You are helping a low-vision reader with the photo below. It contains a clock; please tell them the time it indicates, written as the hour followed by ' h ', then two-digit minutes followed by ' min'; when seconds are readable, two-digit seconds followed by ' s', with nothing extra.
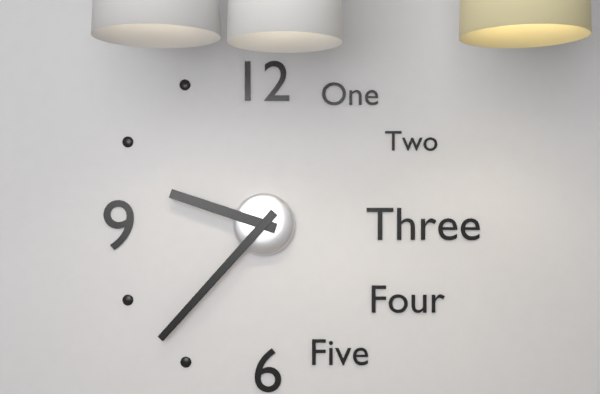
9 h 37 min
